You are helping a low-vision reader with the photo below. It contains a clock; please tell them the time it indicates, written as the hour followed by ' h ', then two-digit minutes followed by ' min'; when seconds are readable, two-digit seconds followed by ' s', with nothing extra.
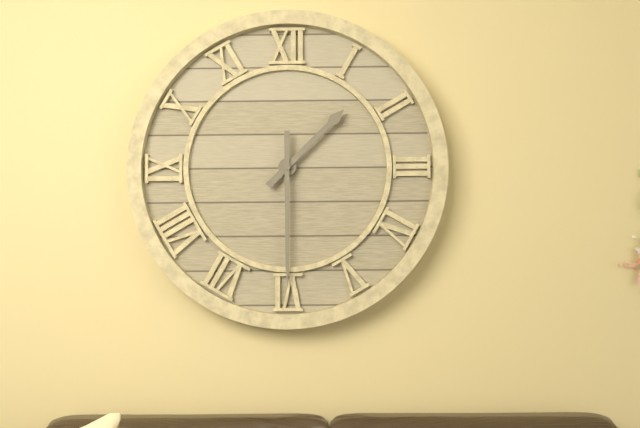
1 h 30 min
